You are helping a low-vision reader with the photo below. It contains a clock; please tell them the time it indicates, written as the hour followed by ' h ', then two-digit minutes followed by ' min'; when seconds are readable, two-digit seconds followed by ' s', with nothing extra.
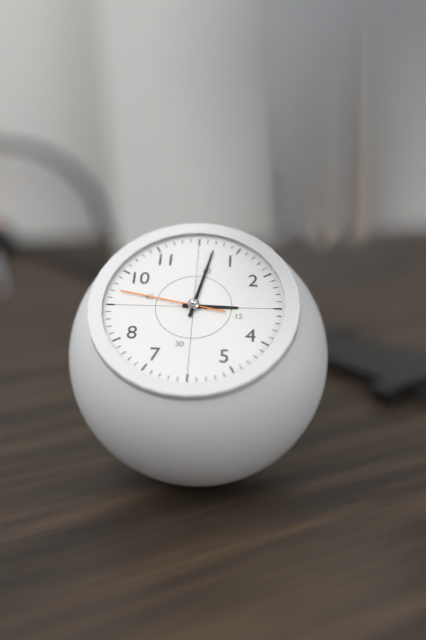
3 h 02 min 47 s
